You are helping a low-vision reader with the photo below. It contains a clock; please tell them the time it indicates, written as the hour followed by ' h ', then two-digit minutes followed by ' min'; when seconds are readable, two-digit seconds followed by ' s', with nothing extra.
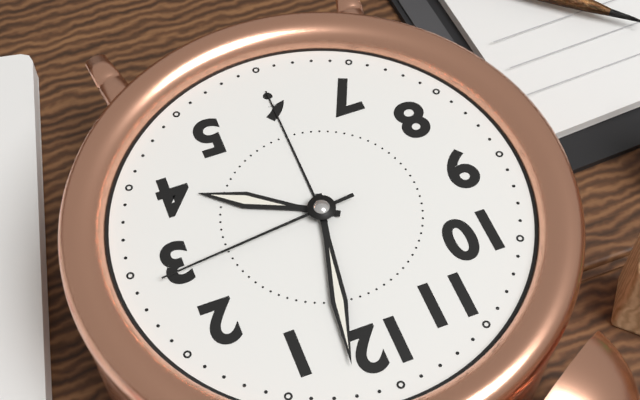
4 h 02 min 14 s
